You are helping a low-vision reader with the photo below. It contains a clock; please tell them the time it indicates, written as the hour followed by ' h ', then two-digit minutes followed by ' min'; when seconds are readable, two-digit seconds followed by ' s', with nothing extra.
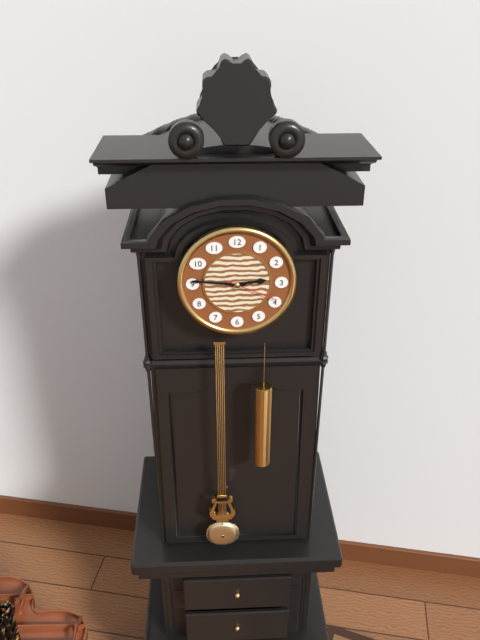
2 h 46 min 19 s
